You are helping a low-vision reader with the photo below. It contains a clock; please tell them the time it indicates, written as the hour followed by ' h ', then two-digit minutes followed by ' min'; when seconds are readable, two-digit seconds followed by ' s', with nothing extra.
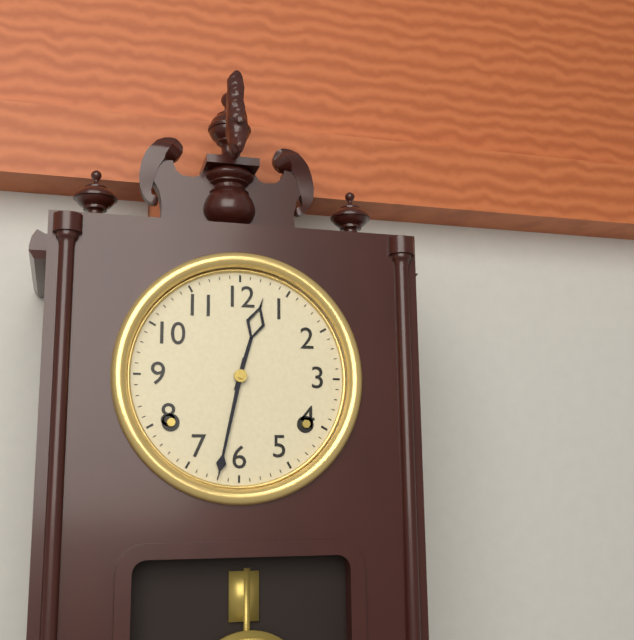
12 h 32 min
